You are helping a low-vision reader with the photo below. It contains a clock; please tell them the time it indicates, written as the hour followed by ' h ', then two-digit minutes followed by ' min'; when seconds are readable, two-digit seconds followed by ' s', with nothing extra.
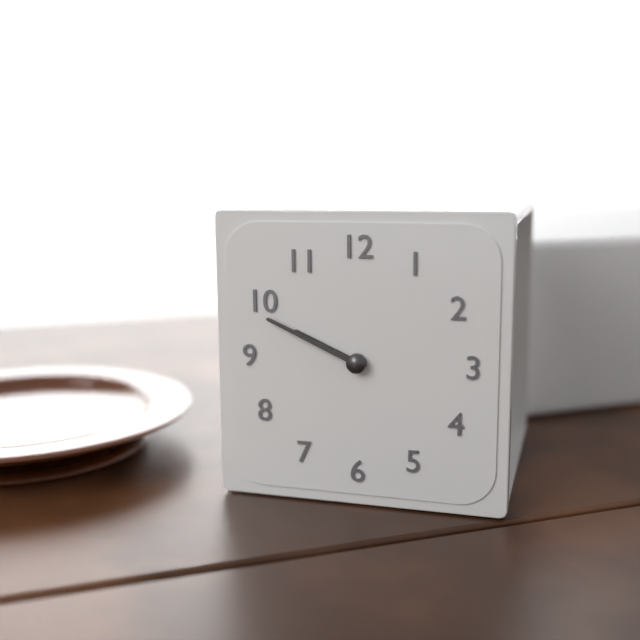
9 h 49 min
